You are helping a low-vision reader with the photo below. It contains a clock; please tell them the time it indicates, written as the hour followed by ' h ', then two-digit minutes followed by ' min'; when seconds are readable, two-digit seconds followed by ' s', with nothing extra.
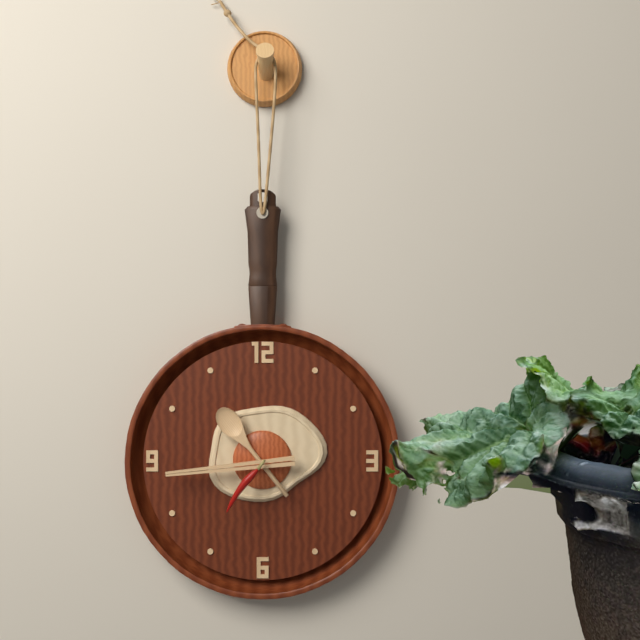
10 h 44 min 36 s
